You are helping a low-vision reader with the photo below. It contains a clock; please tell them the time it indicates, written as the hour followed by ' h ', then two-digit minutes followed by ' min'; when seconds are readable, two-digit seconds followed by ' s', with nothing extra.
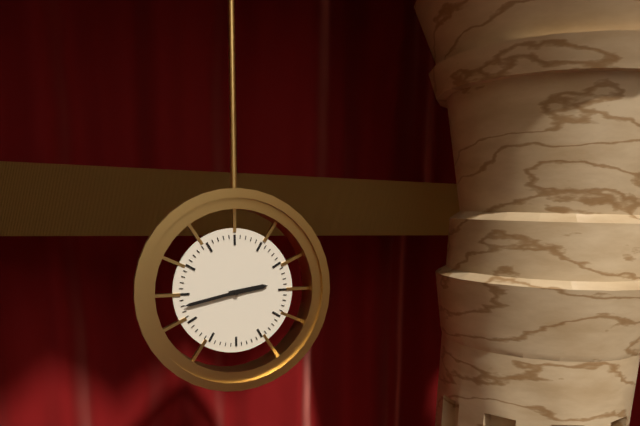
2 h 43 min
